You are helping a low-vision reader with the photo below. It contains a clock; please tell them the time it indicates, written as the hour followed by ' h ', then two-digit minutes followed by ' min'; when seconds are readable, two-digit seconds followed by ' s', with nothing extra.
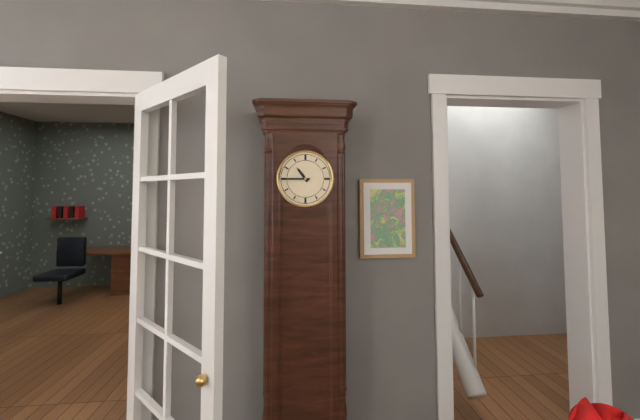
10 h 45 min
